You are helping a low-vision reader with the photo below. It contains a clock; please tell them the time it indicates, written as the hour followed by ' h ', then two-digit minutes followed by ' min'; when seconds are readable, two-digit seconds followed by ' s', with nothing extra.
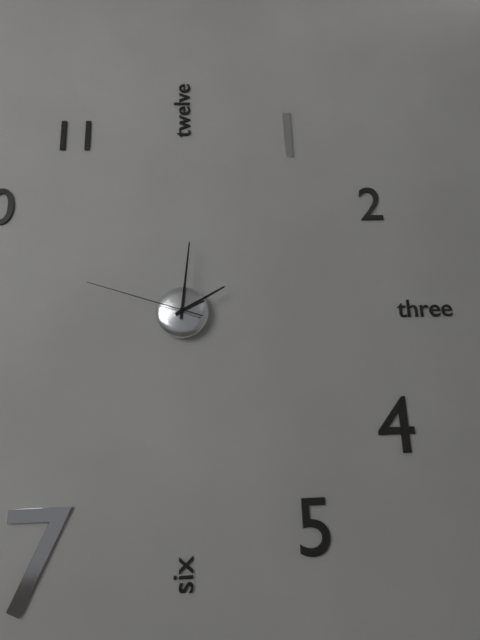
2 h 01 min 48 s
